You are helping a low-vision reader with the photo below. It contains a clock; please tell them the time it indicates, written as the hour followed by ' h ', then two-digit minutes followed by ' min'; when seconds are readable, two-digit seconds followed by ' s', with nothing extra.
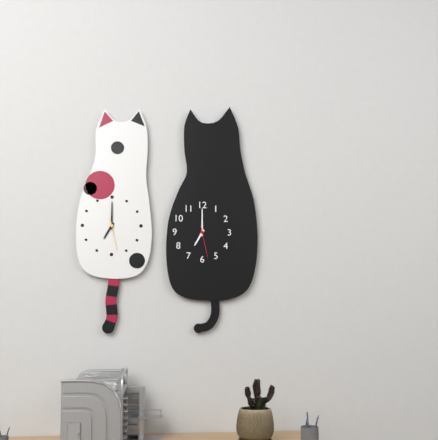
7 h 00 min
